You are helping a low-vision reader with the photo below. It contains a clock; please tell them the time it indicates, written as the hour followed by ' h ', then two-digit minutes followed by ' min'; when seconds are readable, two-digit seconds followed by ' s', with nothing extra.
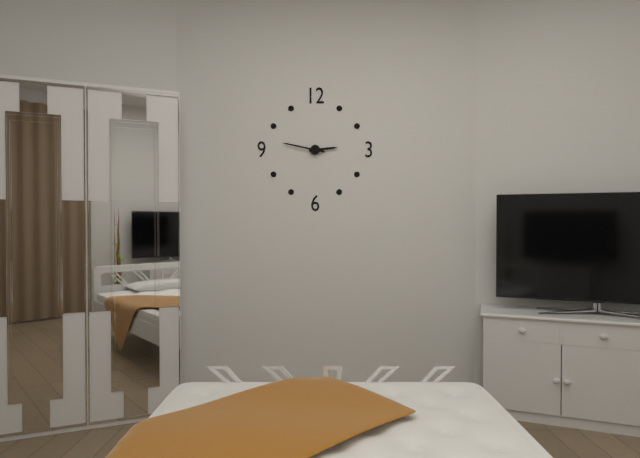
2 h 47 min
